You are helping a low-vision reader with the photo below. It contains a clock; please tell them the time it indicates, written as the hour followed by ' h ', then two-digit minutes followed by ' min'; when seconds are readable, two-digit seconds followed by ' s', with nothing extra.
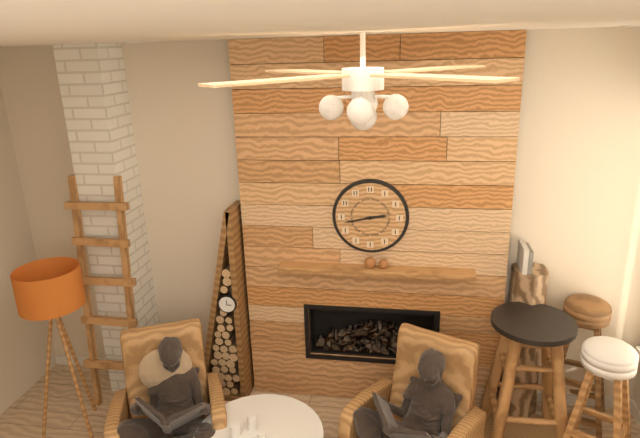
2 h 43 min
